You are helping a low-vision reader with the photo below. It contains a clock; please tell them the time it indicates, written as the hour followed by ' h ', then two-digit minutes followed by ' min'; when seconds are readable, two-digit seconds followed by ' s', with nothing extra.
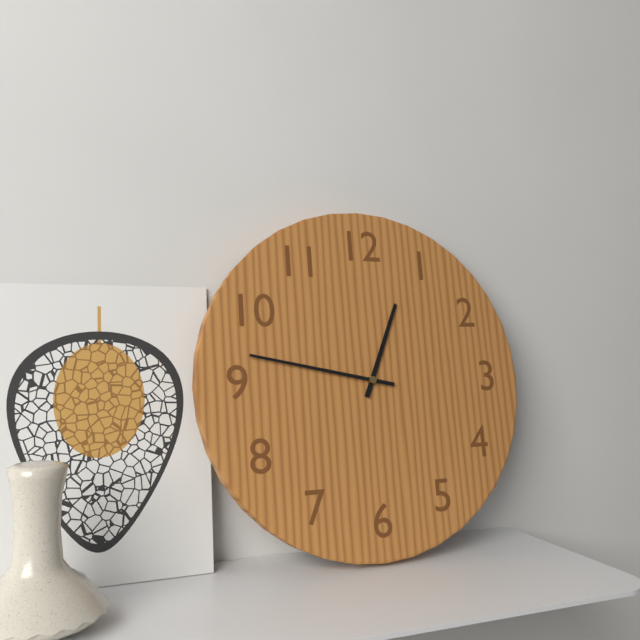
12 h 47 min
